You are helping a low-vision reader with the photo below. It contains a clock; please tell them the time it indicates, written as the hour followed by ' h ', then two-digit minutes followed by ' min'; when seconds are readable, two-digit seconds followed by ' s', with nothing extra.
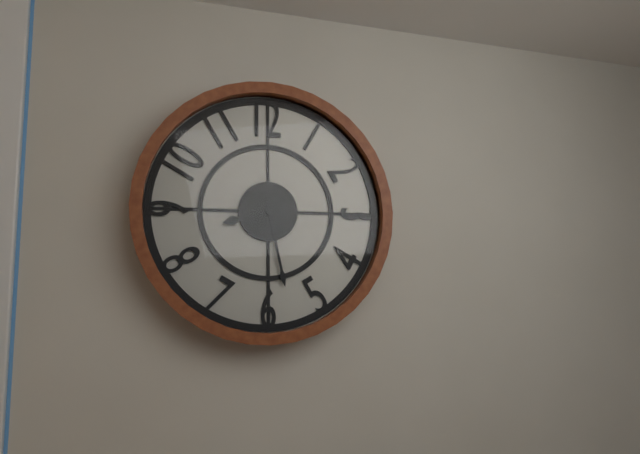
8 h 28 min
